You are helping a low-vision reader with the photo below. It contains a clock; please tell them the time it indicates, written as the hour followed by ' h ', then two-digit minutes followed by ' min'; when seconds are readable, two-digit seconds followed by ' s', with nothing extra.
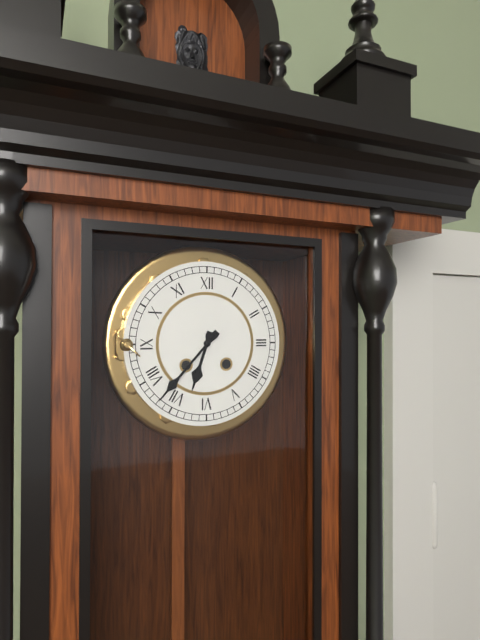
6 h 37 min
